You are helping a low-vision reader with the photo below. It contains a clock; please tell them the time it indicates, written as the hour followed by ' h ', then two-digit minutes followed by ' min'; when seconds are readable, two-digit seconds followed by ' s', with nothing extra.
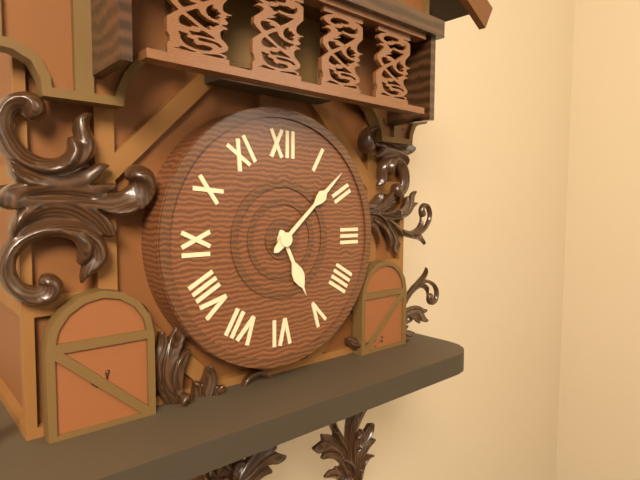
5 h 08 min
